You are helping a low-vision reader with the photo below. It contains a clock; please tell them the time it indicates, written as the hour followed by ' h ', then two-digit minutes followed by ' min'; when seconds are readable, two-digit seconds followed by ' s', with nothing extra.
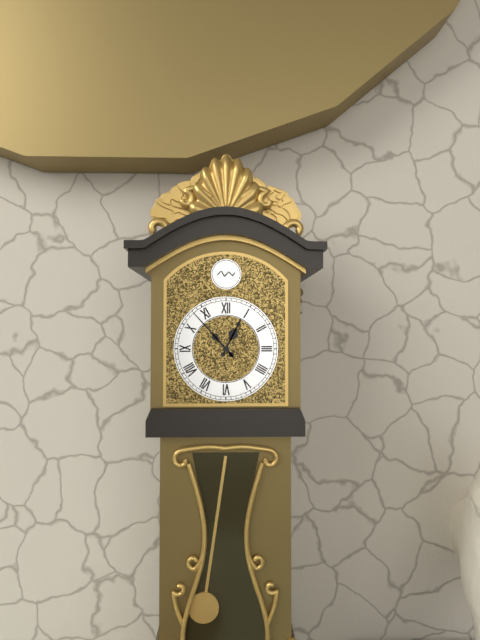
12 h 53 min
